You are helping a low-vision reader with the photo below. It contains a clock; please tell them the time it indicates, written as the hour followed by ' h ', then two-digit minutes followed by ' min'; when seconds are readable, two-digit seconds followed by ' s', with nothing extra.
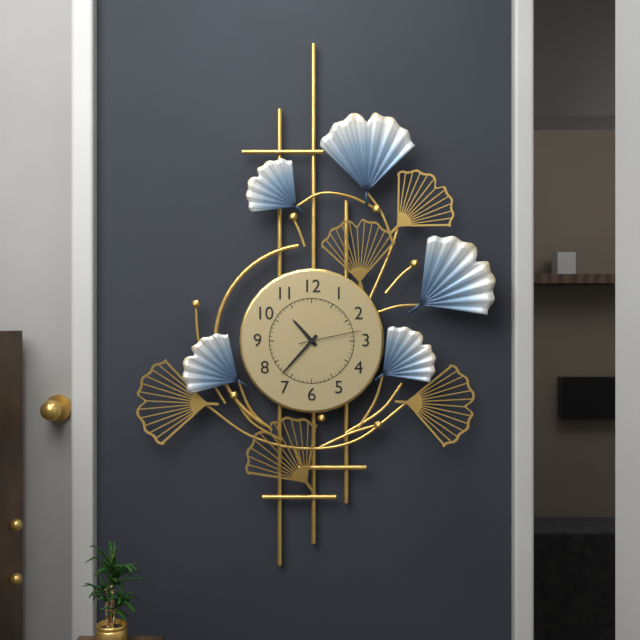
10 h 37 min 13 s
